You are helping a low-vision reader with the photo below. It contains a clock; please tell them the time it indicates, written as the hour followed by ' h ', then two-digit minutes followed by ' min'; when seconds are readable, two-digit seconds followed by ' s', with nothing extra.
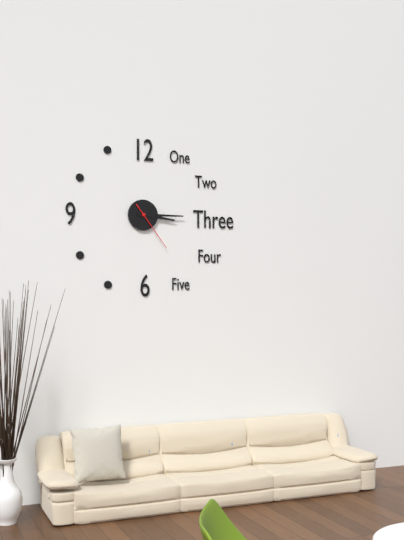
3 h 15 min 24 s
